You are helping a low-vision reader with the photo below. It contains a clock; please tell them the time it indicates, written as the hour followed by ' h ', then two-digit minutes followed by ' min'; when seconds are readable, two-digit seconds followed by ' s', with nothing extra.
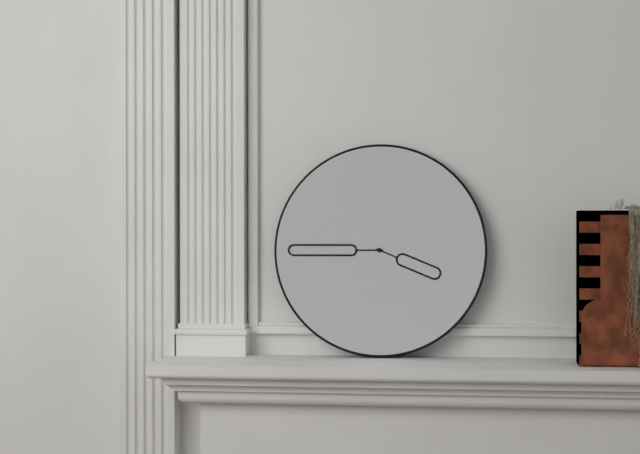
3 h 45 min
